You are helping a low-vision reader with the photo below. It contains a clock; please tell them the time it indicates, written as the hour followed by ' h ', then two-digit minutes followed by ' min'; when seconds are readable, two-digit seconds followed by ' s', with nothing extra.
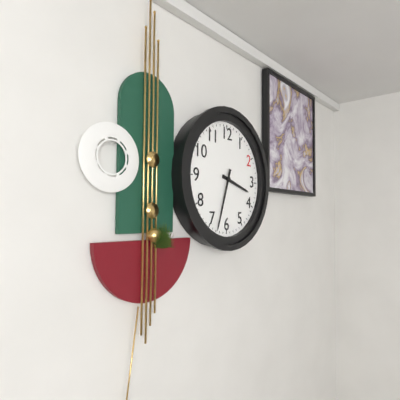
3 h 33 min
